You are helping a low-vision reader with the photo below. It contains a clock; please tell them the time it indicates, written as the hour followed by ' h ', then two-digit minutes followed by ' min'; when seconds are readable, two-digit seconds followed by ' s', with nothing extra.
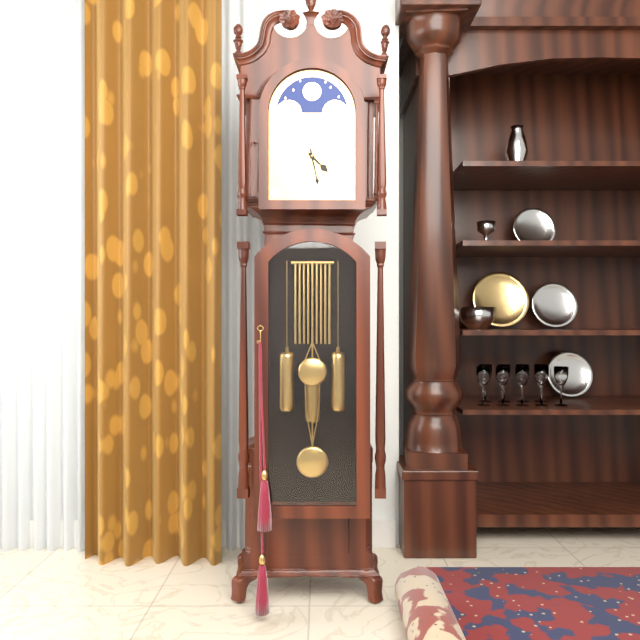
4 h 28 min
